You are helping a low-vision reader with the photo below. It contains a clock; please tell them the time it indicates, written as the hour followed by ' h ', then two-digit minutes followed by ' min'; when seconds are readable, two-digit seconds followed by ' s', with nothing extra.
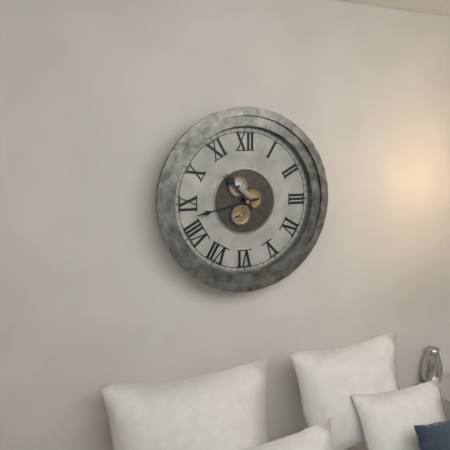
10 h 43 min
